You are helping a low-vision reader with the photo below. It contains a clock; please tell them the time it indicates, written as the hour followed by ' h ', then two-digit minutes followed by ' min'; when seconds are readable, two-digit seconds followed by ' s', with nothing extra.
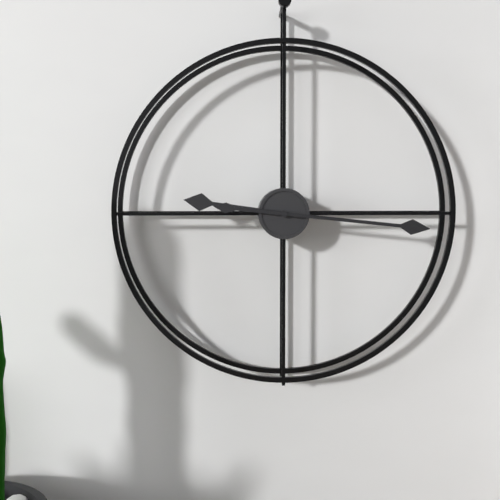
9 h 16 min
